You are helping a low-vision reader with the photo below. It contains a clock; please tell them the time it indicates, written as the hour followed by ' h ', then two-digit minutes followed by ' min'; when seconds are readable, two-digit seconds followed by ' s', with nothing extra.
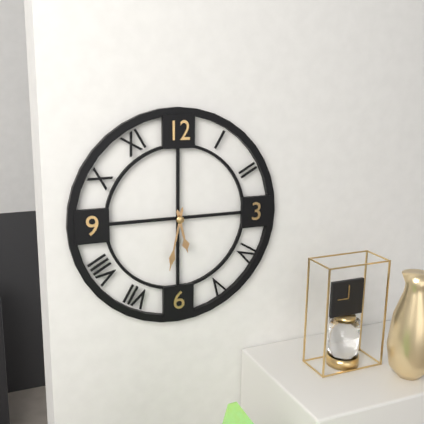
5 h 32 min
